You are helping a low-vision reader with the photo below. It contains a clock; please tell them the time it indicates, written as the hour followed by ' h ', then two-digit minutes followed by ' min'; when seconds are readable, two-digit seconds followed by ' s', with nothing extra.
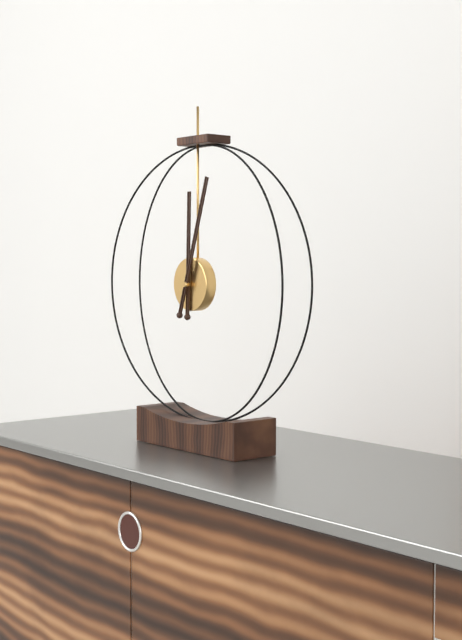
12 h 03 min
